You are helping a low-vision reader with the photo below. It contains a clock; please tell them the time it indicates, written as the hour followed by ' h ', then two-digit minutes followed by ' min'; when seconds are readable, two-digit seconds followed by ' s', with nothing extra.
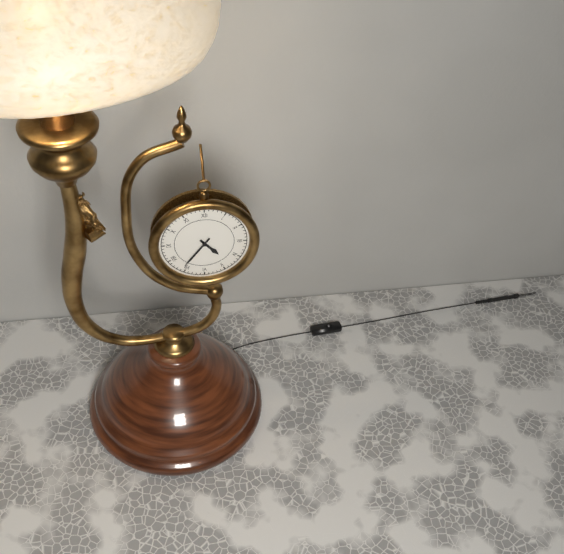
4 h 36 min
